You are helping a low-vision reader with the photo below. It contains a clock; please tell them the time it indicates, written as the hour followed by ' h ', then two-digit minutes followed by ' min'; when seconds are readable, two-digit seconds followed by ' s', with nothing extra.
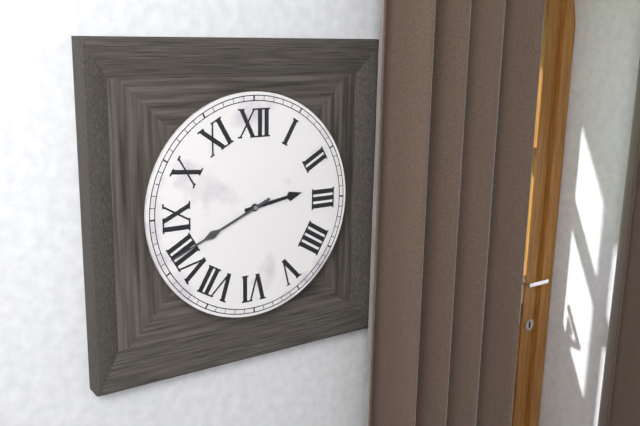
2 h 41 min
